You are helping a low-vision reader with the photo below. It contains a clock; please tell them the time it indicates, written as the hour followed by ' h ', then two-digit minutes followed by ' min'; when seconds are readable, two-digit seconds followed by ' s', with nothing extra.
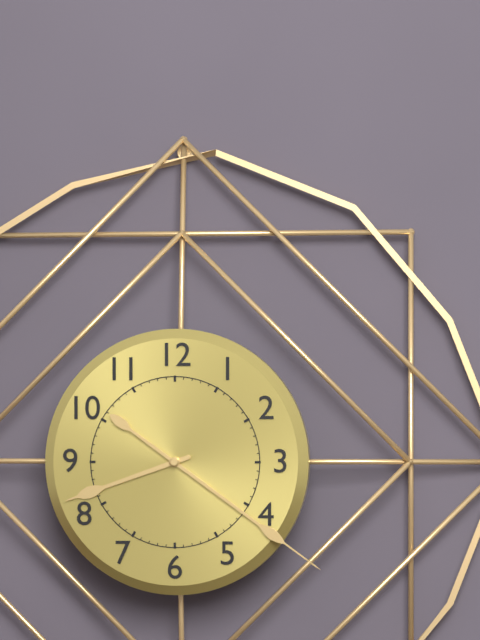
8 h 21 min
